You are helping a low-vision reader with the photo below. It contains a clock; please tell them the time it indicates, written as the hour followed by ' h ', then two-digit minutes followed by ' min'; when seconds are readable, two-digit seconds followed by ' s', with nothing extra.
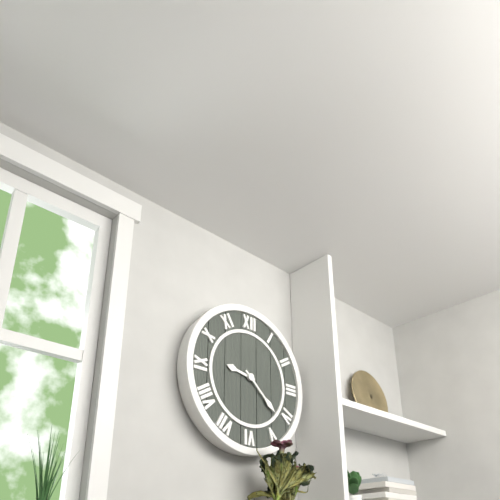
9 h 22 min
